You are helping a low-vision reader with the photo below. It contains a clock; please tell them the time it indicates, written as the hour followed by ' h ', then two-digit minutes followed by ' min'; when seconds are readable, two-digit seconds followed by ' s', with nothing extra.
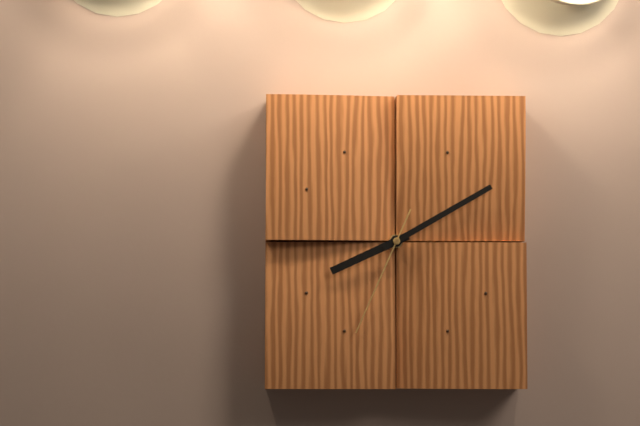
8 h 10 min 34 s
